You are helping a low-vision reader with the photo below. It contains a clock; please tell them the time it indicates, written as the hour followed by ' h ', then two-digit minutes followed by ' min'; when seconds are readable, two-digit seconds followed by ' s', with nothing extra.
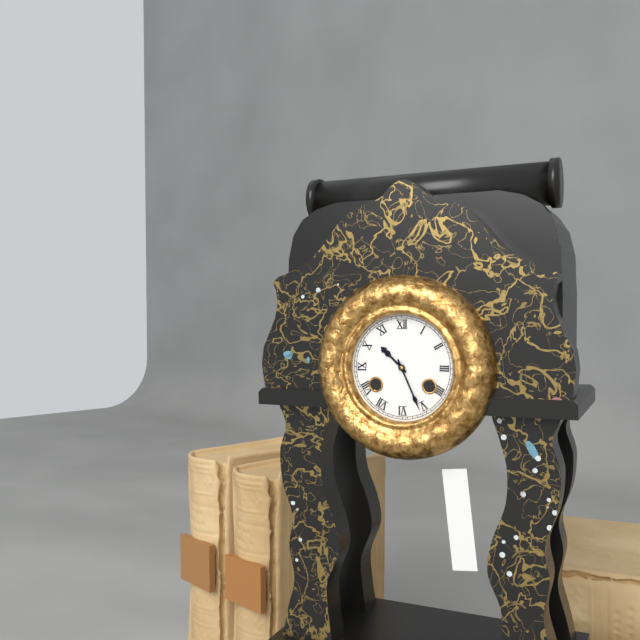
10 h 26 min
